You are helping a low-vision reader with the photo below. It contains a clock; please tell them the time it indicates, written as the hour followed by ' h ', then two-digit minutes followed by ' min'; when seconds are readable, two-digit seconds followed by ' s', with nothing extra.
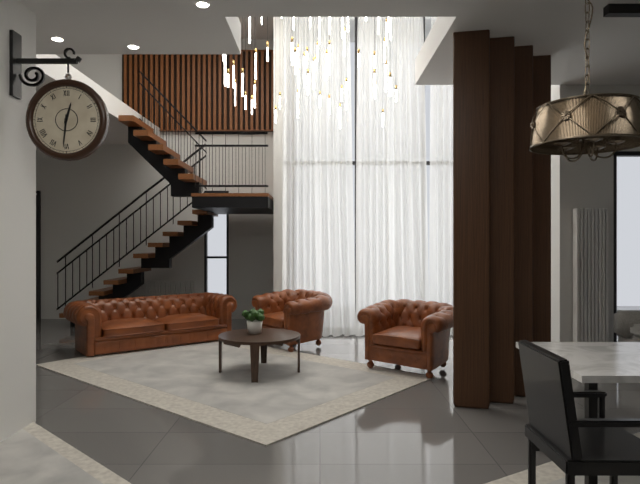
12 h 31 min
